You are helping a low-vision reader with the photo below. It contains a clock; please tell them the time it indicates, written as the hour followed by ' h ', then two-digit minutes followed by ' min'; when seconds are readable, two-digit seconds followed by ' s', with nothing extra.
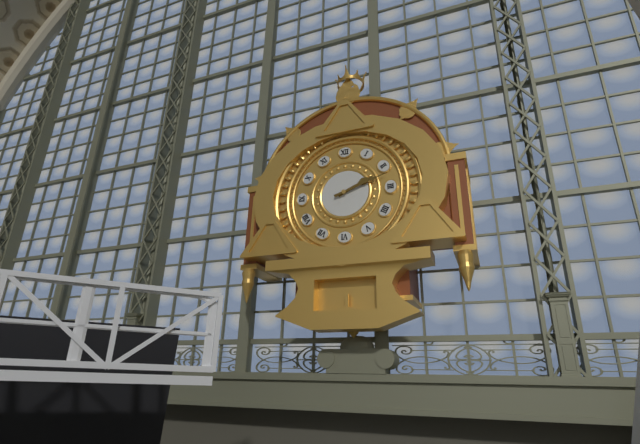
2 h 12 min
